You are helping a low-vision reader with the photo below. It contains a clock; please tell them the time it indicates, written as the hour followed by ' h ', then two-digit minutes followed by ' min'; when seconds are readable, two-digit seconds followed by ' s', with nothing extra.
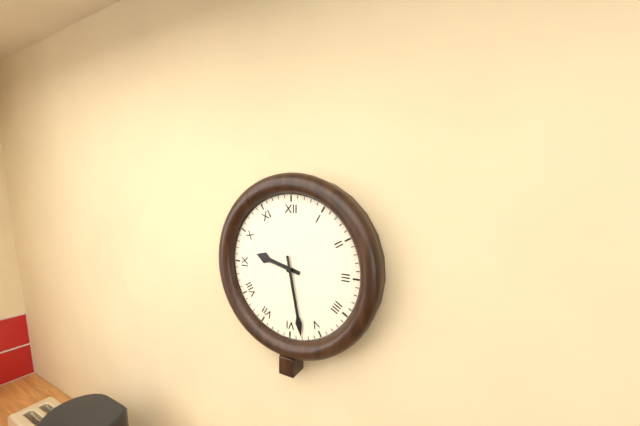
9 h 28 min
